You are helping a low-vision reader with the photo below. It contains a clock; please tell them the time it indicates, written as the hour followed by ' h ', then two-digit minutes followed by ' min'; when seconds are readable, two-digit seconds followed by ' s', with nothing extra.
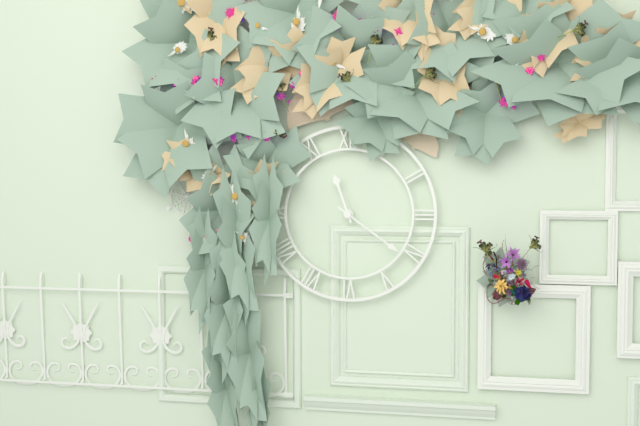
11 h 21 min
